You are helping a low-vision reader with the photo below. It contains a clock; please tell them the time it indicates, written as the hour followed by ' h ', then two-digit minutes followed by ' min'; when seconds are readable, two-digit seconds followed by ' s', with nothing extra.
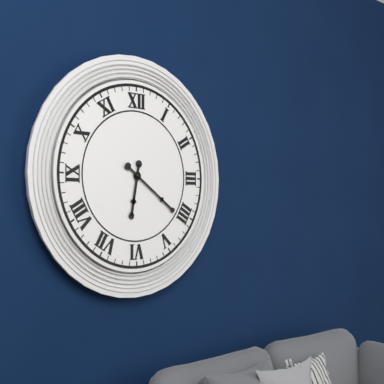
6 h 21 min
